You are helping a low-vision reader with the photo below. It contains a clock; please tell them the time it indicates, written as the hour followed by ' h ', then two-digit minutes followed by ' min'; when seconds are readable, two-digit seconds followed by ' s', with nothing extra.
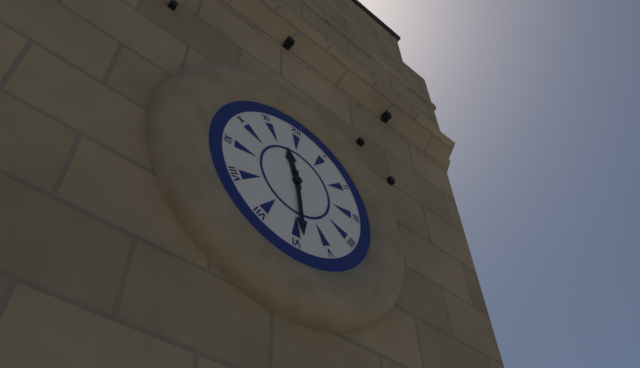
11 h 29 min
